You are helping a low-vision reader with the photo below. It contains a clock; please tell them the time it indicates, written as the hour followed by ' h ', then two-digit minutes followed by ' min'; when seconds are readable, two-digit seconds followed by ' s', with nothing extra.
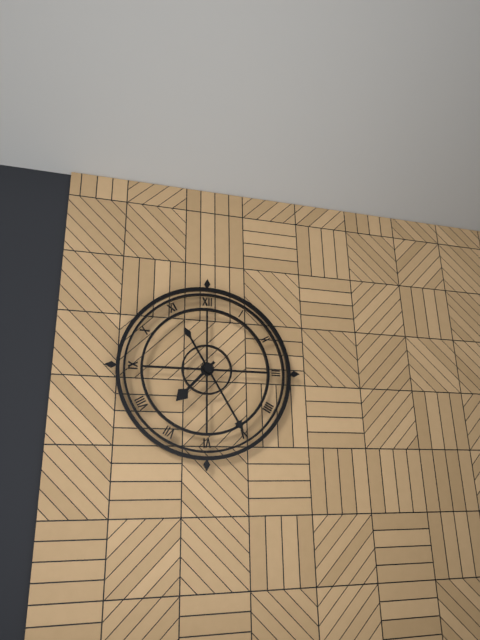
7 h 25 min
